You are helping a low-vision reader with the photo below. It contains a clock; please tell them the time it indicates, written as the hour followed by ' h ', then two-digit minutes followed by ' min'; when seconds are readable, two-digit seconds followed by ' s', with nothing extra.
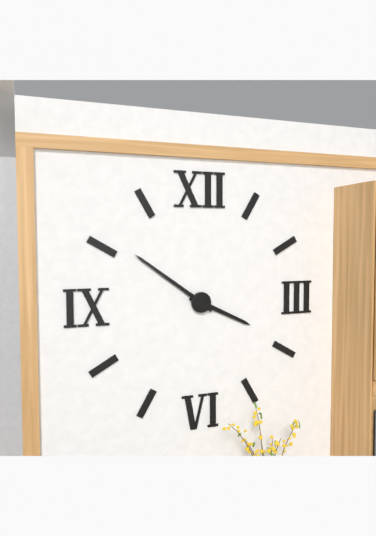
3 h 51 min
